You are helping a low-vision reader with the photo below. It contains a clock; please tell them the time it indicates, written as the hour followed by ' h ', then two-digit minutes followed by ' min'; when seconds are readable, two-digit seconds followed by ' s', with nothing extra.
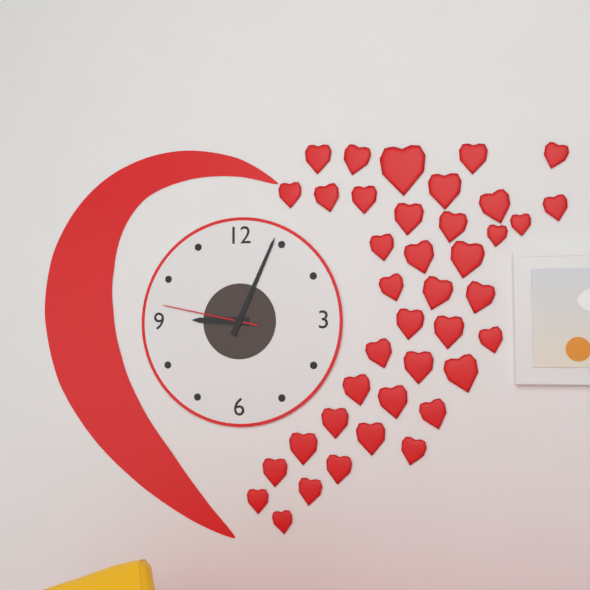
9 h 04 min 47 s
